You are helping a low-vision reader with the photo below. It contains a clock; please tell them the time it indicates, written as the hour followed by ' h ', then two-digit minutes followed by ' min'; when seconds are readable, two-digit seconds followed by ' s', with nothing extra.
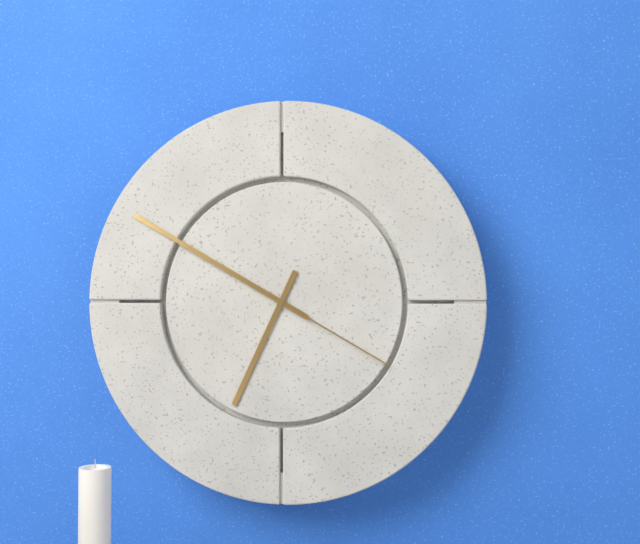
6 h 50 min 20 s
